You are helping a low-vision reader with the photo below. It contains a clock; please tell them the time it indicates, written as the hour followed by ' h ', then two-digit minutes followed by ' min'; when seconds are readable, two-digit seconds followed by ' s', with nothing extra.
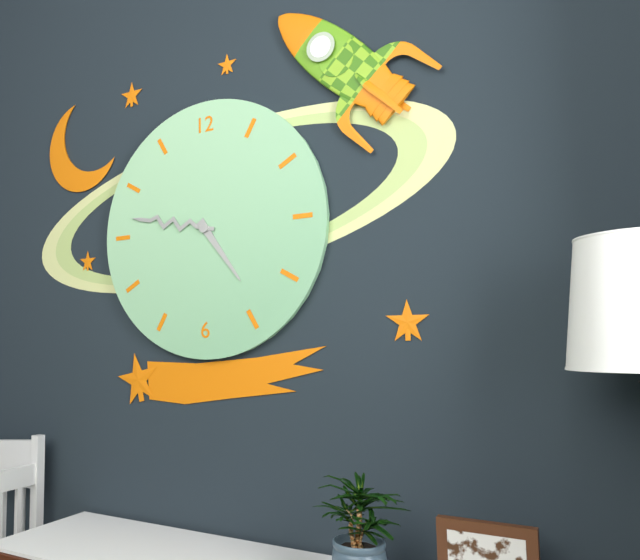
4 h 47 min
